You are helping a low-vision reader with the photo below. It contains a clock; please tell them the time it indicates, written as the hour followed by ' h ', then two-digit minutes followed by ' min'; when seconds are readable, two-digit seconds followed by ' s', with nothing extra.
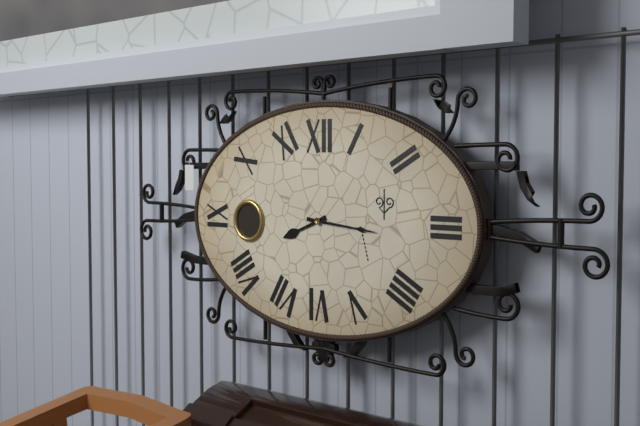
8 h 16 min
